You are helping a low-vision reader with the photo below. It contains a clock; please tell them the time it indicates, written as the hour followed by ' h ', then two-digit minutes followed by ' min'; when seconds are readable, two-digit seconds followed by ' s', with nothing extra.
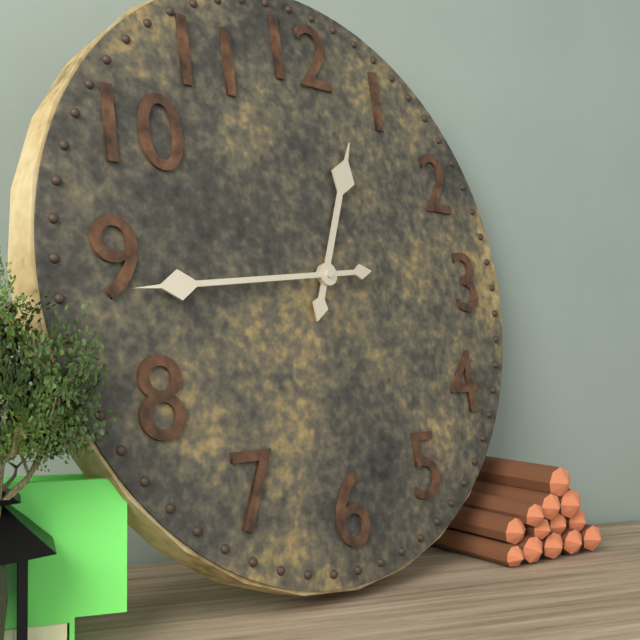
12 h 44 min
